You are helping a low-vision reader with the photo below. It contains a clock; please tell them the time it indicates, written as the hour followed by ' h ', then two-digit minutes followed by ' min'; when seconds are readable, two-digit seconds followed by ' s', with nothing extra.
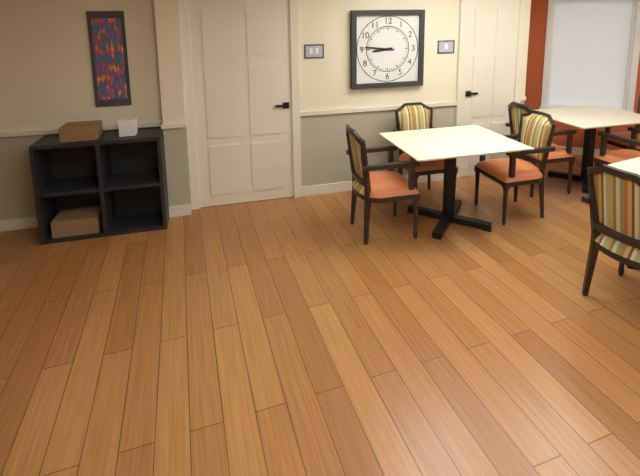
8 h 46 min
